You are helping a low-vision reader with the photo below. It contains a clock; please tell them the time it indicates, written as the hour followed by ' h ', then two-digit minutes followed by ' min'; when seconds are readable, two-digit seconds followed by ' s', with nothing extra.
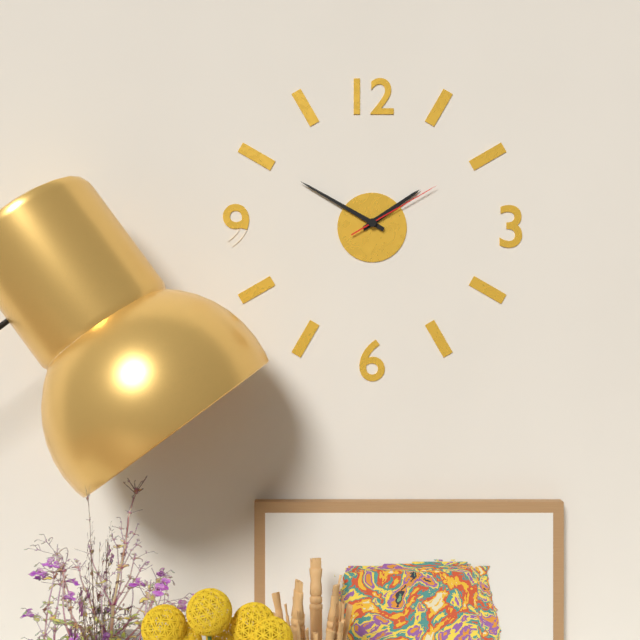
1 h 50 min 10 s
